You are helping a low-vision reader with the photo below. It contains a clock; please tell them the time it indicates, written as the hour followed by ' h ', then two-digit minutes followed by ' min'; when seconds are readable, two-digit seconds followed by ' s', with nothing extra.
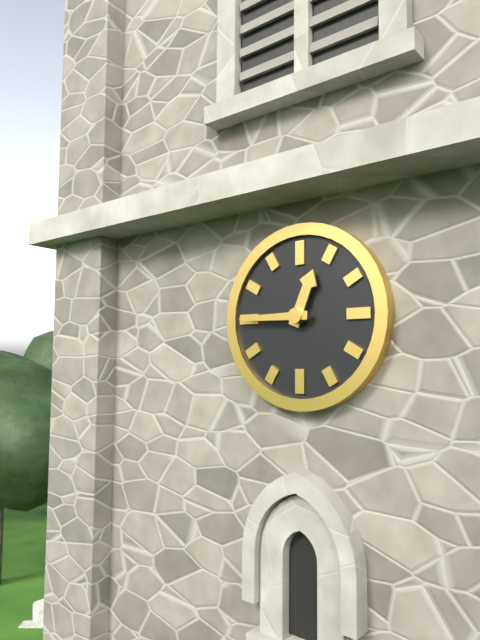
12 h 45 min
